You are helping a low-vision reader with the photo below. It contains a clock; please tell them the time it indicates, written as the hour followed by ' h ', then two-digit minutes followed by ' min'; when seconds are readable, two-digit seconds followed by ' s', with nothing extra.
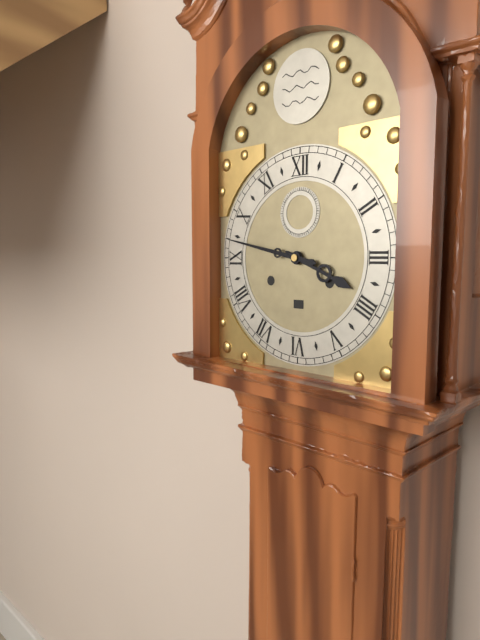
3 h 47 min
